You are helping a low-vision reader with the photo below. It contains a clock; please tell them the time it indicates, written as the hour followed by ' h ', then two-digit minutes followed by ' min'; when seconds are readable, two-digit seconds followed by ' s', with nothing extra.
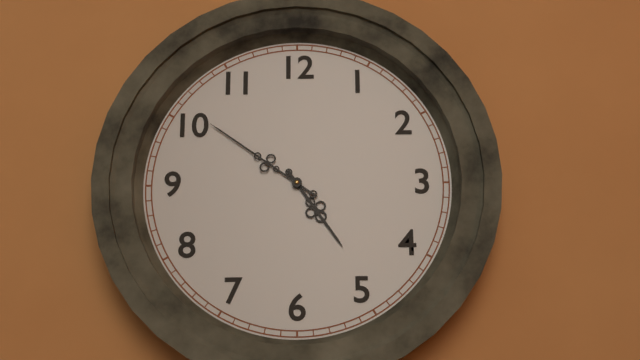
4 h 51 min
